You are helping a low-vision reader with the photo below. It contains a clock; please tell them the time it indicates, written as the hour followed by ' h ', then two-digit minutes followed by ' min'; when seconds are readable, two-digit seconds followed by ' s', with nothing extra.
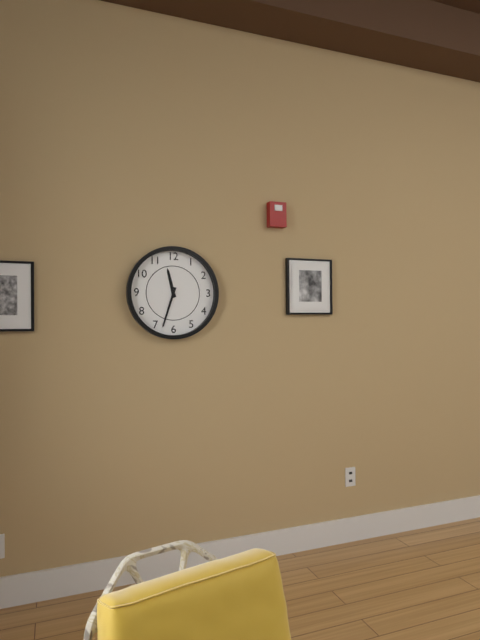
11 h 33 min
